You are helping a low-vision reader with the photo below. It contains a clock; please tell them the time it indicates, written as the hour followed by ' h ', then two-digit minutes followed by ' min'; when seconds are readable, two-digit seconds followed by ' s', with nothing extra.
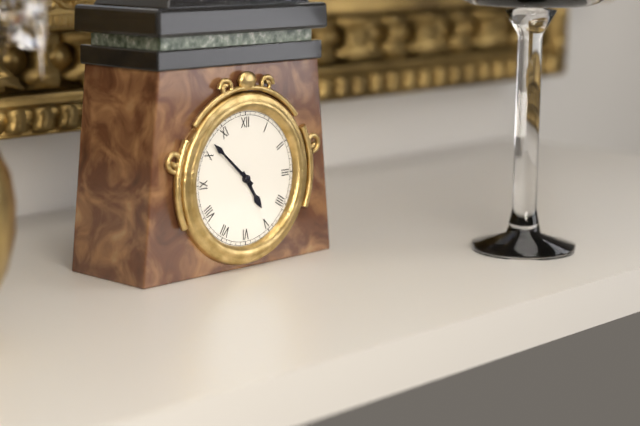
4 h 52 min
